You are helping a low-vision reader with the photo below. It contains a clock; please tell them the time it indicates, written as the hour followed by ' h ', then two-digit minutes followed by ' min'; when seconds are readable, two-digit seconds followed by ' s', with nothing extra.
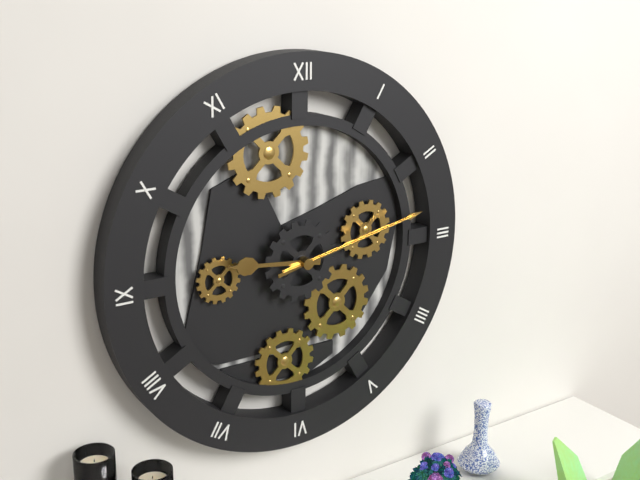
9 h 13 min 13 s
